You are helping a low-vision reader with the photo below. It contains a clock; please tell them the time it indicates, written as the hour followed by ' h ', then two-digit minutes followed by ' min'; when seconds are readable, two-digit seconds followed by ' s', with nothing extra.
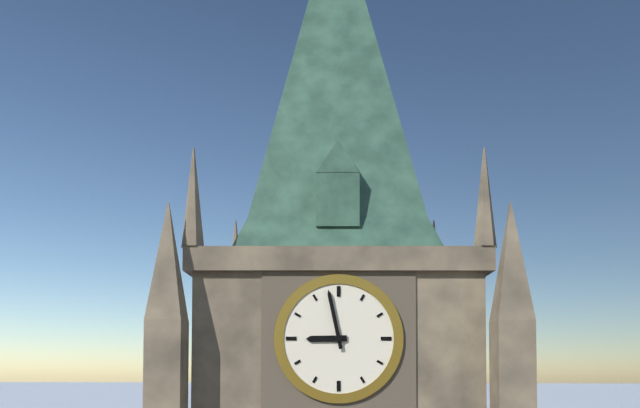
8 h 58 min
